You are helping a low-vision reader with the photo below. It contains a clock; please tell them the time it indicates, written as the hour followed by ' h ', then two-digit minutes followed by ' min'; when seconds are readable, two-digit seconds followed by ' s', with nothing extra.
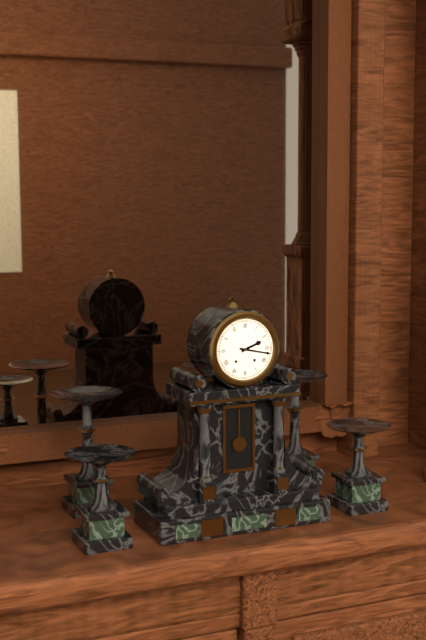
2 h 17 min
